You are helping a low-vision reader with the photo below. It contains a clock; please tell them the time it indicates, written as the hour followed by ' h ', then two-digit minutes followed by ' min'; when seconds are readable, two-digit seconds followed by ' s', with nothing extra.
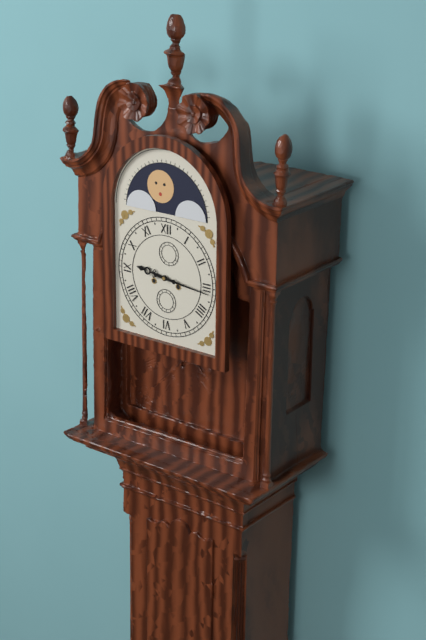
9 h 16 min
